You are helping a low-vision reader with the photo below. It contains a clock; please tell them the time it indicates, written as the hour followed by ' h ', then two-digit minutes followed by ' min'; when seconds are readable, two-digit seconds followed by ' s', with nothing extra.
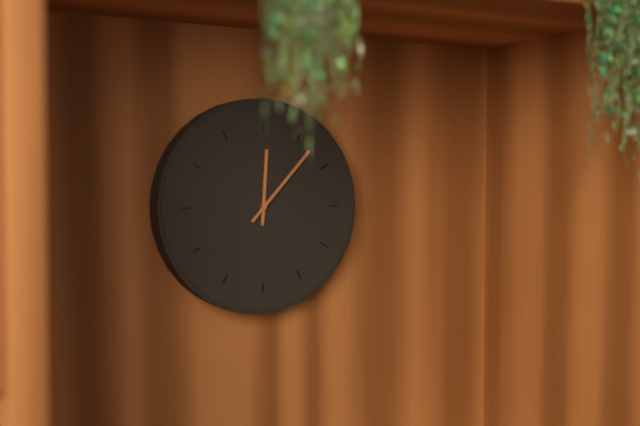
12 h 07 min
